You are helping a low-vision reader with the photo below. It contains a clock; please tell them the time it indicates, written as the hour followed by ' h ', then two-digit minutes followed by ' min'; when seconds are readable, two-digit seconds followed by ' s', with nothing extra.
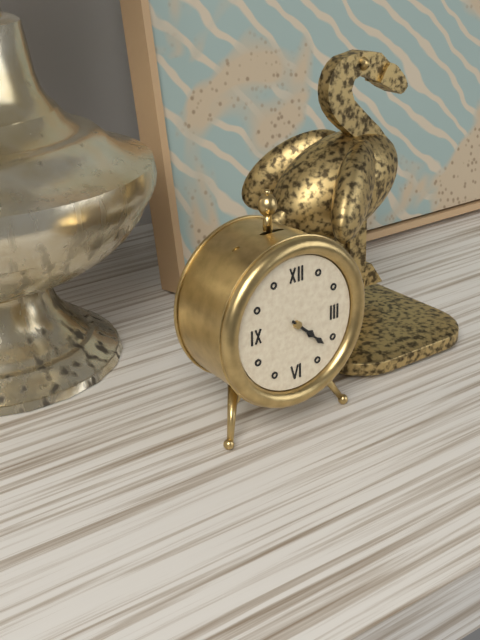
4 h 22 min
